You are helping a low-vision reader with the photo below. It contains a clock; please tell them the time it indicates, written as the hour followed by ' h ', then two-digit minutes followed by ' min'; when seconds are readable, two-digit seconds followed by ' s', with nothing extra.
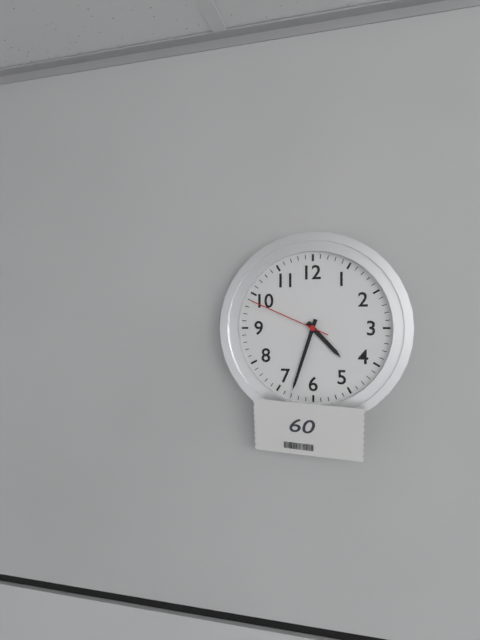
4 h 33 min 49 s
